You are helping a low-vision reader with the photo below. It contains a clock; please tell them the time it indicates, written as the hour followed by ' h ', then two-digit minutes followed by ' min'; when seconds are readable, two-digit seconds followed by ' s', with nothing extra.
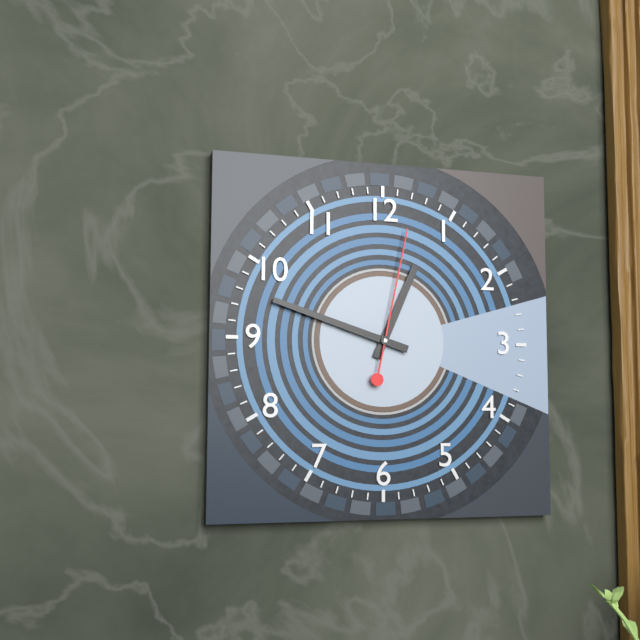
12 h 48 min 02 s
